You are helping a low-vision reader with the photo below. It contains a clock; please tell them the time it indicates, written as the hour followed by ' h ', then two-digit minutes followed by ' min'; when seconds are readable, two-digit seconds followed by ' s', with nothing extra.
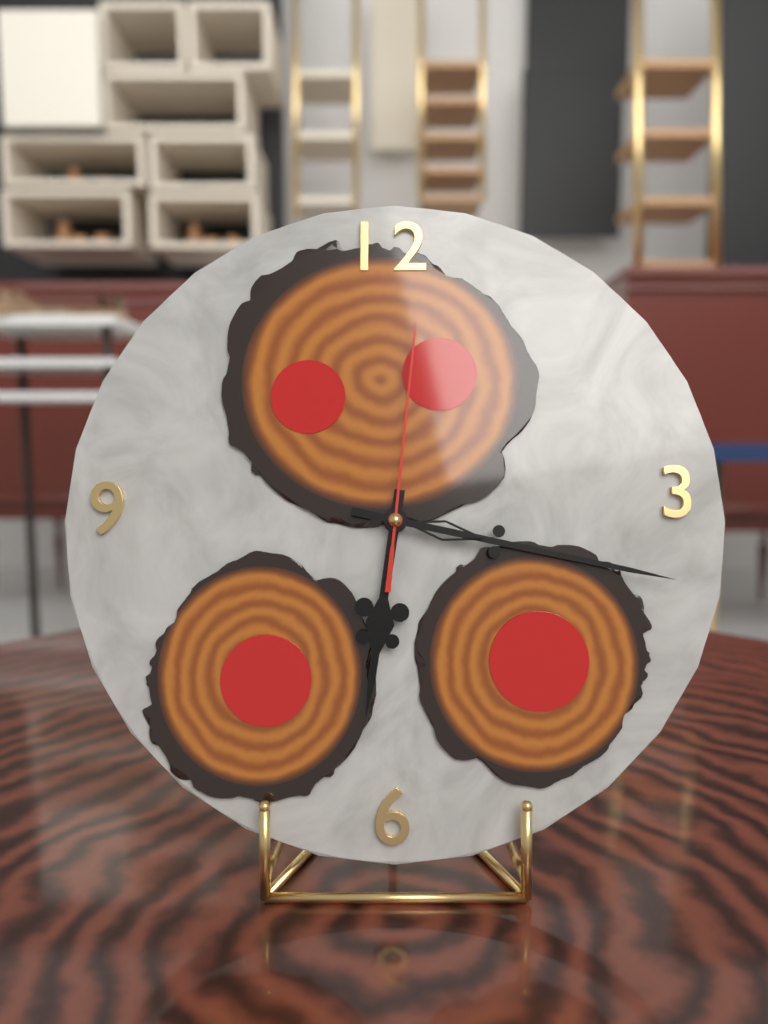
6 h 17 min 01 s
